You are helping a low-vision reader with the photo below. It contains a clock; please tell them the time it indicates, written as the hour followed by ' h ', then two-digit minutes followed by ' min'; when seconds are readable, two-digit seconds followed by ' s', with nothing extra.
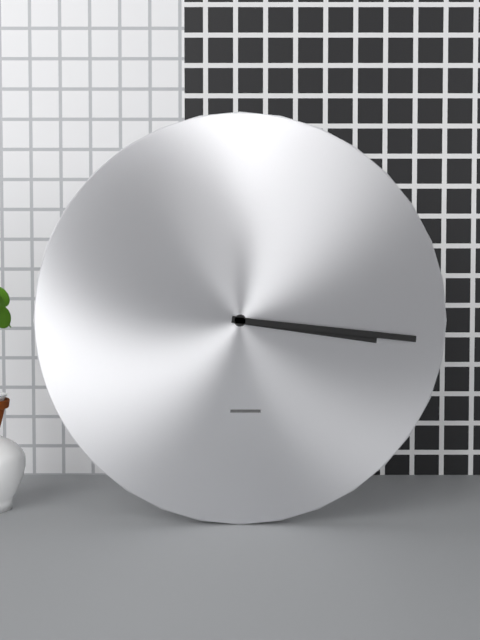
3 h 16 min
